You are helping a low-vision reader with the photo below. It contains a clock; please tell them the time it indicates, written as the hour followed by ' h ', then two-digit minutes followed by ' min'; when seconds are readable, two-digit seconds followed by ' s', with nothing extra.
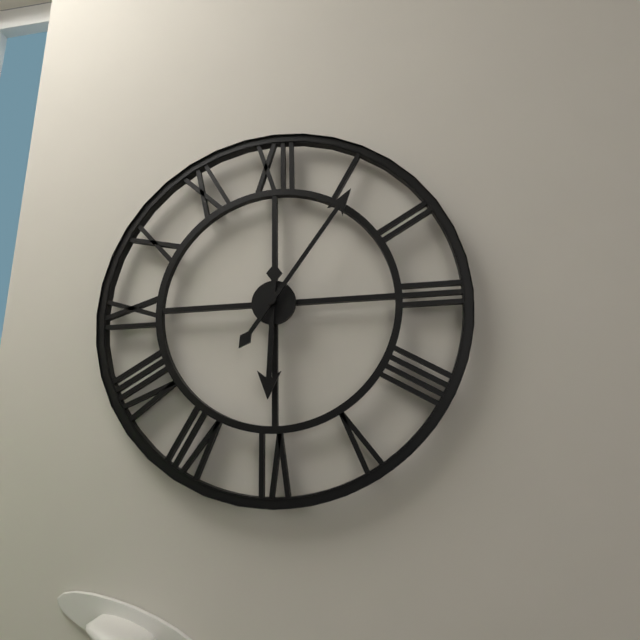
6 h 06 min
